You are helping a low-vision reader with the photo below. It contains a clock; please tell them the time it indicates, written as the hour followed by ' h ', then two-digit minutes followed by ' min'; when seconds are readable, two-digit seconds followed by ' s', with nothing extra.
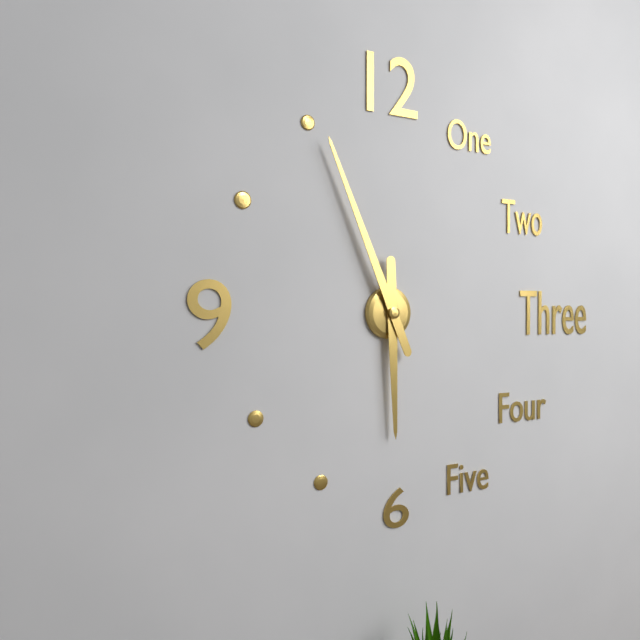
5 h 56 min
